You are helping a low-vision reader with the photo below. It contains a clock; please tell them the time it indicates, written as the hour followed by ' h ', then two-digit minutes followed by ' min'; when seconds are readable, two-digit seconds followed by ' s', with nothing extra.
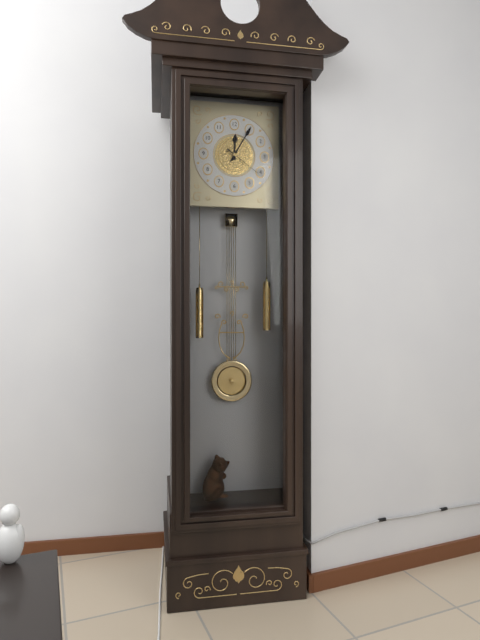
12 h 05 min
